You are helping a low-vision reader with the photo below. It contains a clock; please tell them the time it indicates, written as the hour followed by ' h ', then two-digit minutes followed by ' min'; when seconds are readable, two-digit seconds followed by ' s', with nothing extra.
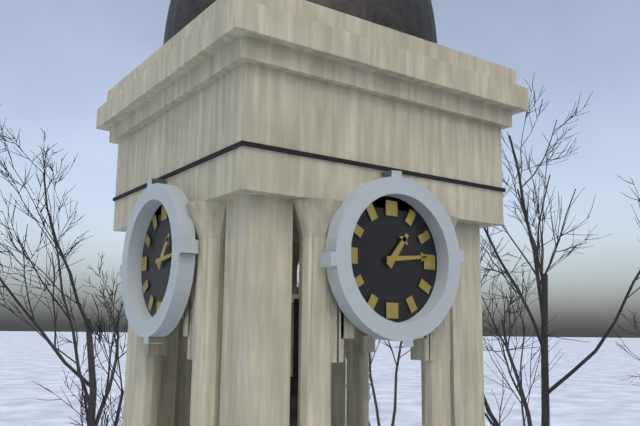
1 h 14 min
